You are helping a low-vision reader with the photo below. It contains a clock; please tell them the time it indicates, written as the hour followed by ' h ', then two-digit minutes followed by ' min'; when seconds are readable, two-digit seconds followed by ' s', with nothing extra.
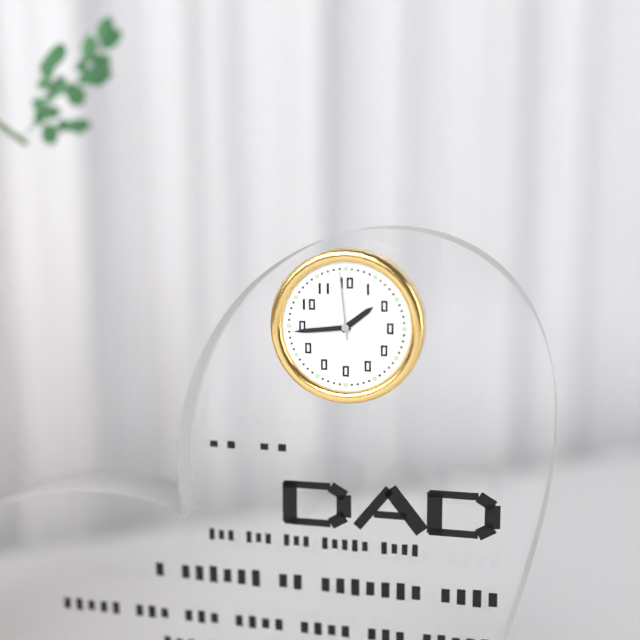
1 h 44 min 59 s
